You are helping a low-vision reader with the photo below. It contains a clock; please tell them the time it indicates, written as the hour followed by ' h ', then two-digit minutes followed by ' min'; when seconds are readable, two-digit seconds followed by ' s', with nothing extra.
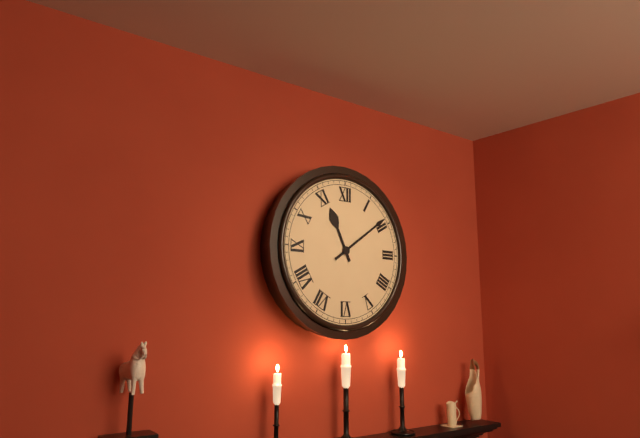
11 h 09 min
